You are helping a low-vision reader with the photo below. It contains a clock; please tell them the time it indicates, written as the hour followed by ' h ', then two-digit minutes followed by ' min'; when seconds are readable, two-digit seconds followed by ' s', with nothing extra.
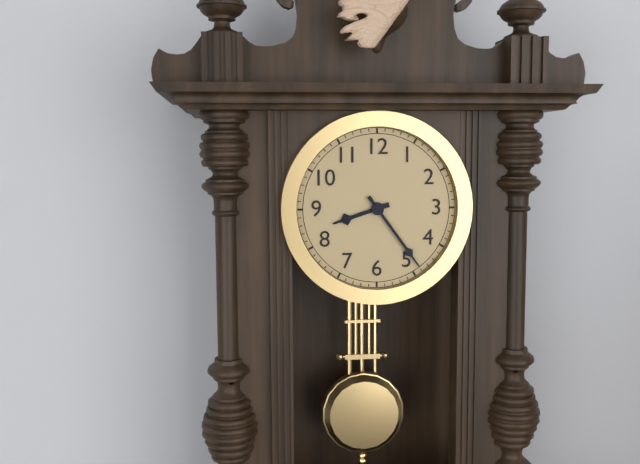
8 h 24 min
